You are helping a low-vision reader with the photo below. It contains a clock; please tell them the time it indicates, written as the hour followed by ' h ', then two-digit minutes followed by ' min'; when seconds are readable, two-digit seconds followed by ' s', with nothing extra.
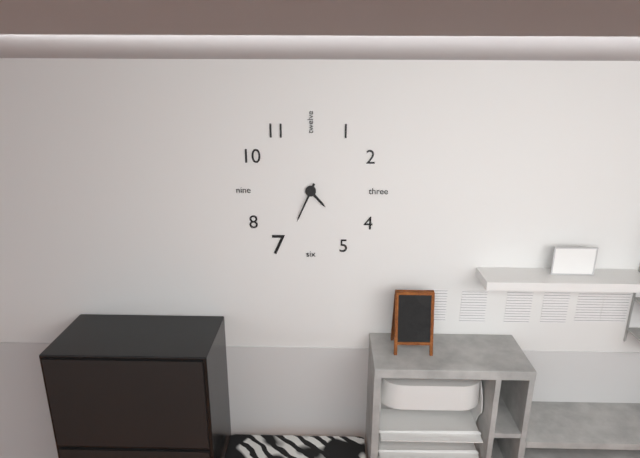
4 h 34 min
